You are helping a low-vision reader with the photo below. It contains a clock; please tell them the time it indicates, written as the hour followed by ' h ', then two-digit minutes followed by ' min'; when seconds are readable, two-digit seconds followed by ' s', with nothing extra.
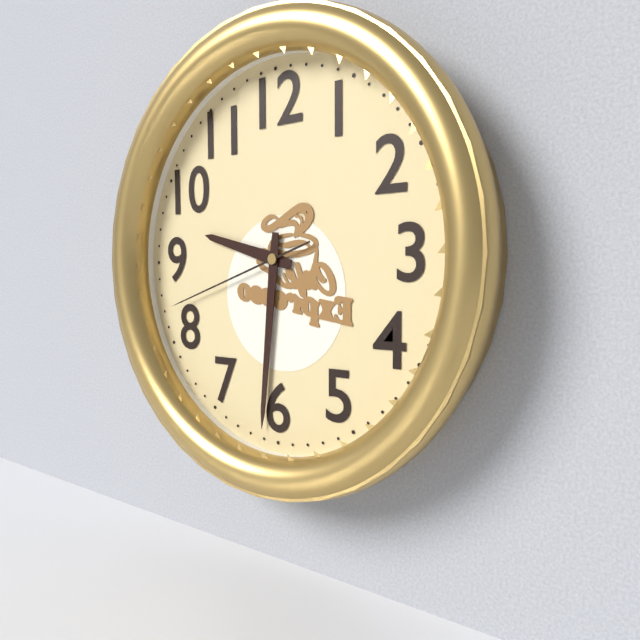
9 h 31 min 42 s
